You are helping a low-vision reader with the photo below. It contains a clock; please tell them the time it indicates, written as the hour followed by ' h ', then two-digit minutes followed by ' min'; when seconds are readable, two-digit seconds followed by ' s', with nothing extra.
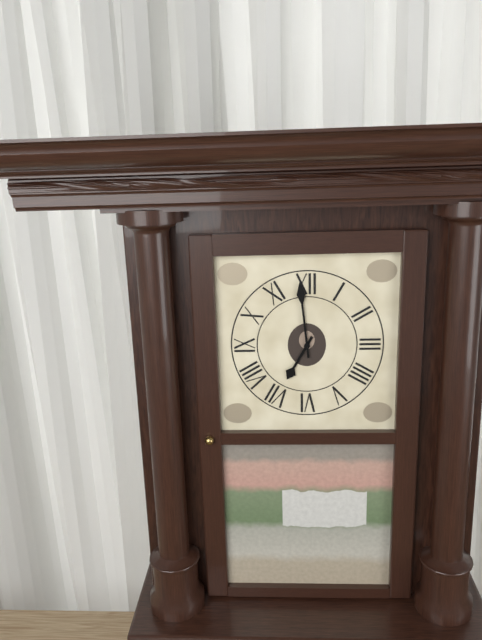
6 h 59 min
